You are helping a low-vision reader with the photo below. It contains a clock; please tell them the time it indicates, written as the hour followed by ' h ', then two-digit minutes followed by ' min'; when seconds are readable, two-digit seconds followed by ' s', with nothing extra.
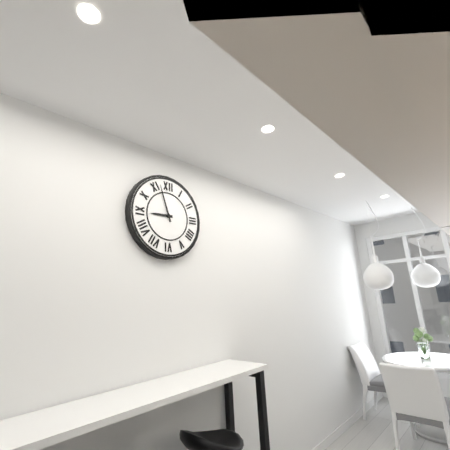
8 h 57 min
